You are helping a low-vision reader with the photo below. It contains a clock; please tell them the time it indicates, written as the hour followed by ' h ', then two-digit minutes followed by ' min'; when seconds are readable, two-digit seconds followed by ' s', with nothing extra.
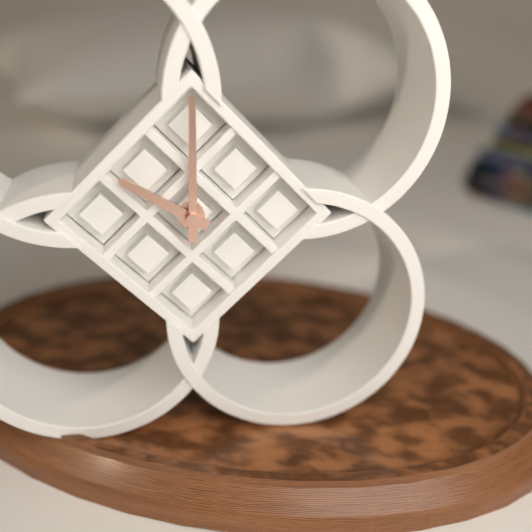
10 h 00 min
